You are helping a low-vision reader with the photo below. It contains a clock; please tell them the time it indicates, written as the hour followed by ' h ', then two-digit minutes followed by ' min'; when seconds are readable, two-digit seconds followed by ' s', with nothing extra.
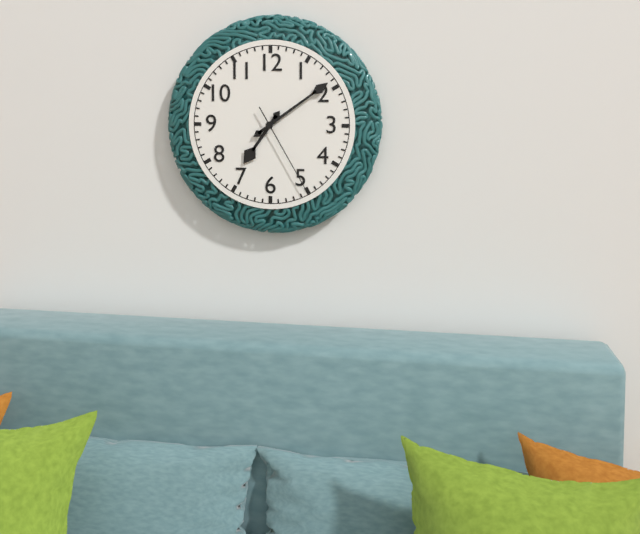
7 h 09 min 25 s
